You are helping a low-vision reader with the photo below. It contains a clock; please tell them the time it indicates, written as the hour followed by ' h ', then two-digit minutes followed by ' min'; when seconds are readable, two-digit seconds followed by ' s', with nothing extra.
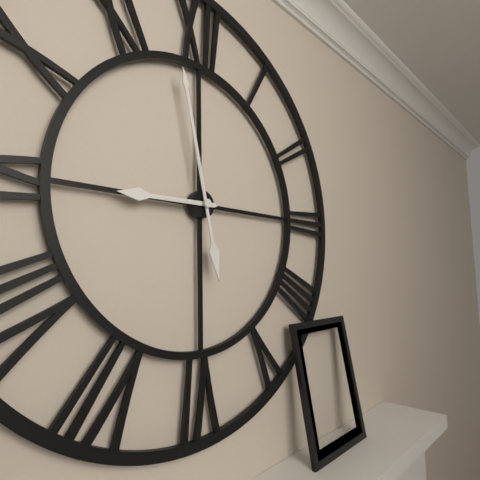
8 h 58 min
